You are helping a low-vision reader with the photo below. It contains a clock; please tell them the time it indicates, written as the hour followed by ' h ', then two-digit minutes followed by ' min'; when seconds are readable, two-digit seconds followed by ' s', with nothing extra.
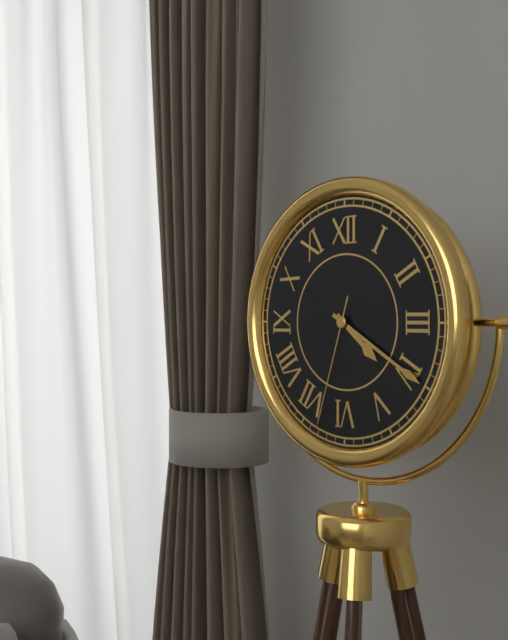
4 h 20 min 33 s
